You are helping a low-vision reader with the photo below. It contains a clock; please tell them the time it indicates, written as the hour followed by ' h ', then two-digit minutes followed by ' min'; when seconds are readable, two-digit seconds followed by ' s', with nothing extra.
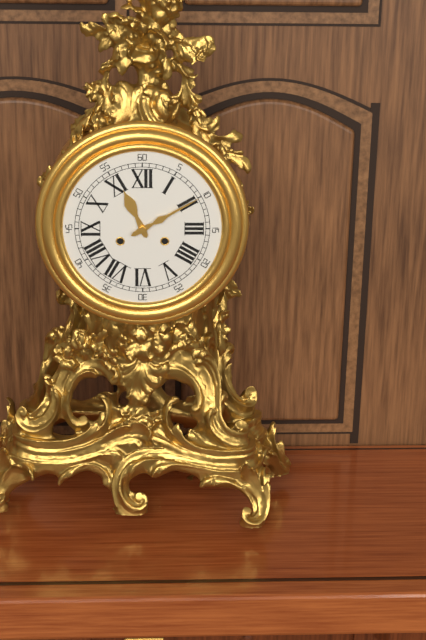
11 h 10 min
